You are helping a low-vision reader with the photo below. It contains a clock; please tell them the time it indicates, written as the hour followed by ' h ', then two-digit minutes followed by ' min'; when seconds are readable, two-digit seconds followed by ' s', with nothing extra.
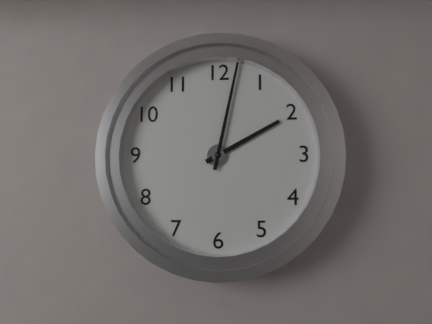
2 h 02 min
